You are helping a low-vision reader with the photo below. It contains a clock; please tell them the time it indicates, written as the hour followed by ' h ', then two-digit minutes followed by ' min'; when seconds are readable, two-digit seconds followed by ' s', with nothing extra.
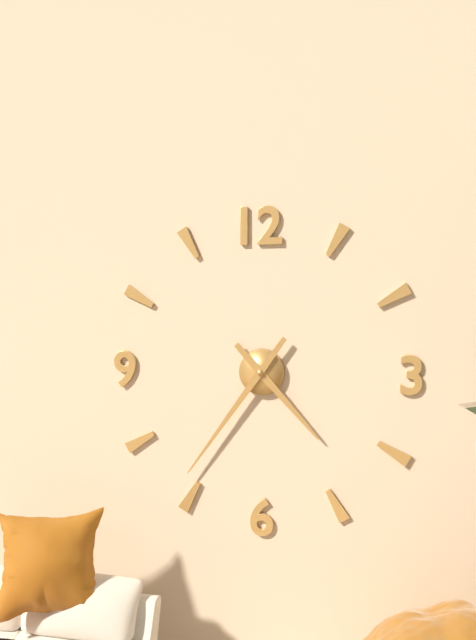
4 h 36 min
